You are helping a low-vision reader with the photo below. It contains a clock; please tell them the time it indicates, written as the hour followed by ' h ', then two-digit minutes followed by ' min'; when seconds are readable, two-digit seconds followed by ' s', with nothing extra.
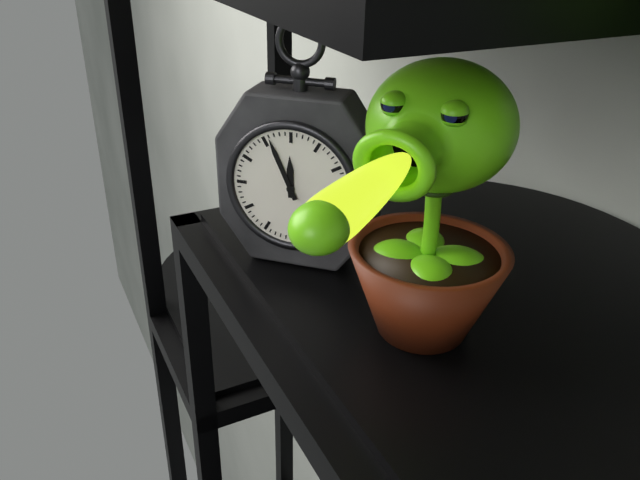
11 h 56 min
